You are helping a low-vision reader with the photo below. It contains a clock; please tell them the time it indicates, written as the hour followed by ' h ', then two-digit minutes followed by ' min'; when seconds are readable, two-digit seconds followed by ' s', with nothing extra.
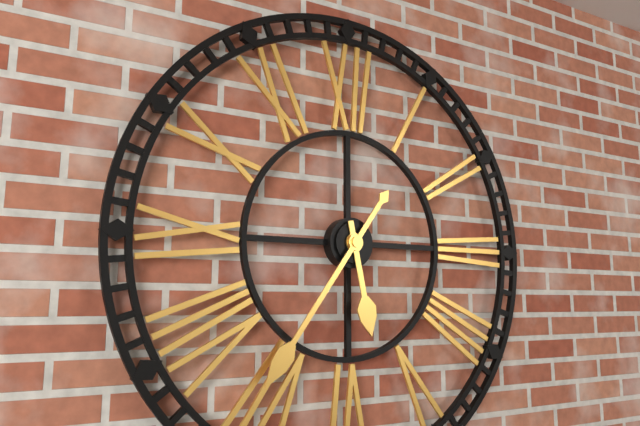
5 h 36 min
